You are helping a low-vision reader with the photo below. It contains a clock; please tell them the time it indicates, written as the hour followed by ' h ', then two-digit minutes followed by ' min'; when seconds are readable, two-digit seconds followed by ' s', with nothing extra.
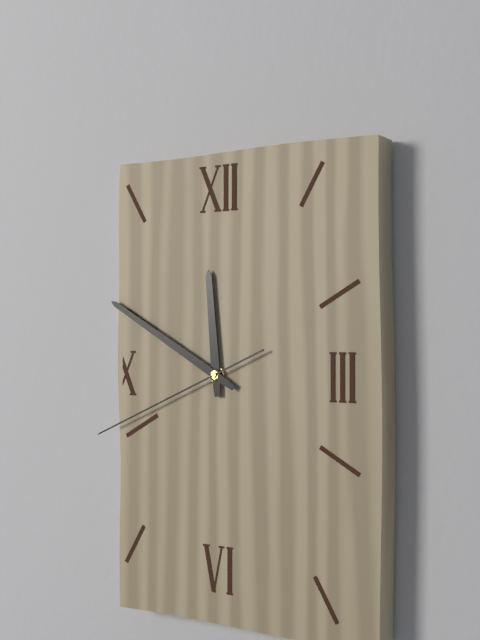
11 h 50 min 41 s
